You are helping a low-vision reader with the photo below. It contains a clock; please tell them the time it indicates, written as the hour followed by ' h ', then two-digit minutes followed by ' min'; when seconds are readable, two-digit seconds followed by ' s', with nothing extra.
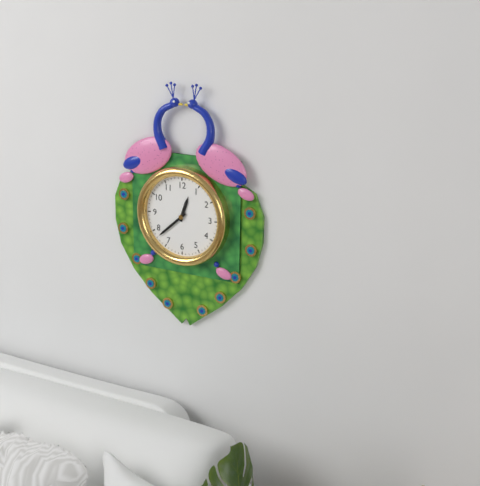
12 h 38 min
